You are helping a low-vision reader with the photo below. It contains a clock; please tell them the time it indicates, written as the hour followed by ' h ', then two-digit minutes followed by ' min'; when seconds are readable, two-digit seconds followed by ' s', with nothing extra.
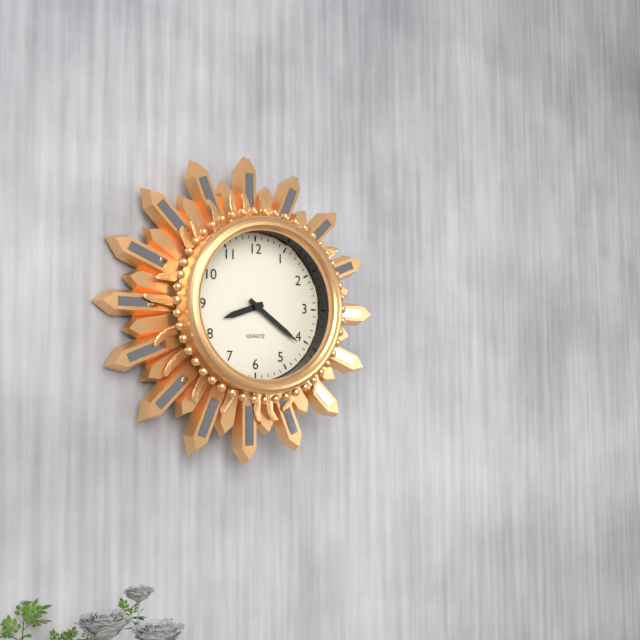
8 h 21 min
